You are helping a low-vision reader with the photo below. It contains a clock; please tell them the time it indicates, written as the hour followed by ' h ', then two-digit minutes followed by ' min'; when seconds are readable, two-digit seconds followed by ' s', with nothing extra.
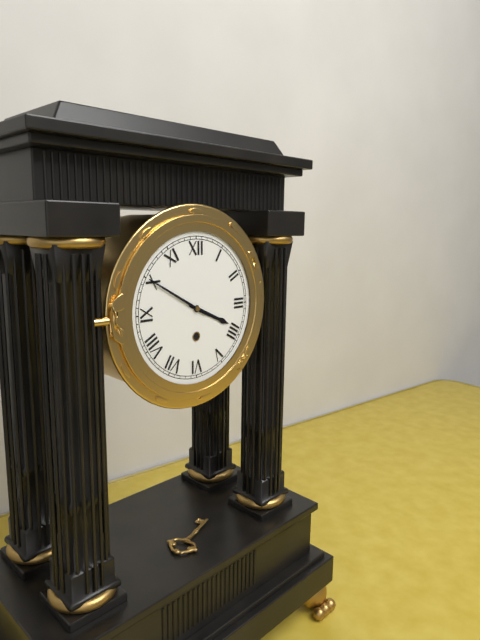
3 h 50 min
